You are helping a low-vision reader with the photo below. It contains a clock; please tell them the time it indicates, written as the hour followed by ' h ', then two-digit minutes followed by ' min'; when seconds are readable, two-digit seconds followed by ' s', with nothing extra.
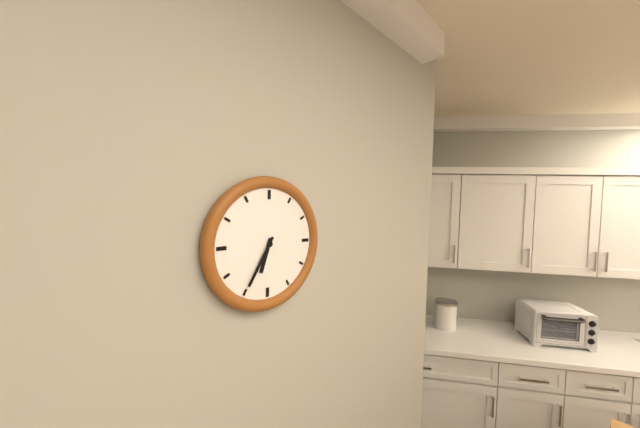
6 h 35 min
